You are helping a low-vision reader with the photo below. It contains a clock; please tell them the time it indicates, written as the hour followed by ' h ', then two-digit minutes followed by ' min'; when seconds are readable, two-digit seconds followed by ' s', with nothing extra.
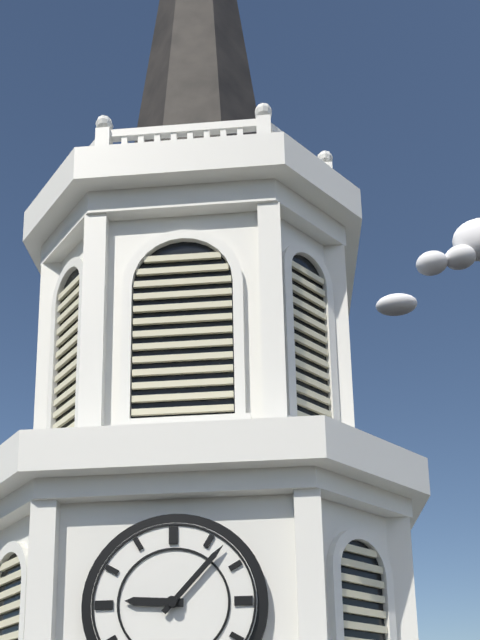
9 h 07 min
